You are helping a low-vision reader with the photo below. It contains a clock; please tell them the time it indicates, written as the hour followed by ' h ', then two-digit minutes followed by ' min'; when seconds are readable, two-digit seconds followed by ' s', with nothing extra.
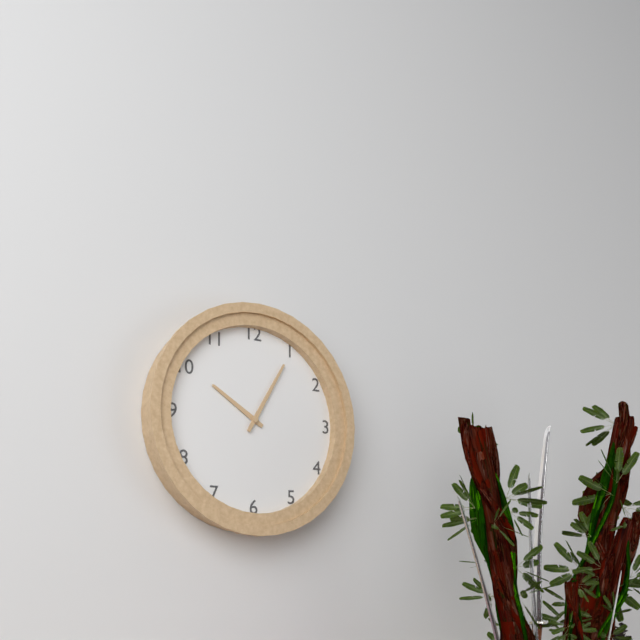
10 h 05 min
